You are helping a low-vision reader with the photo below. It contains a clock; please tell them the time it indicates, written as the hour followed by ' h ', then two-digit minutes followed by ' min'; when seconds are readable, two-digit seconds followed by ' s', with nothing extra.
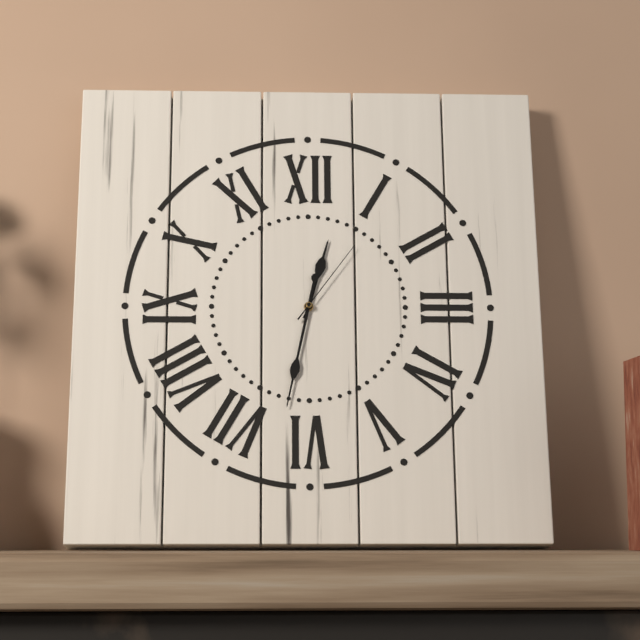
12 h 32 min 06 s
